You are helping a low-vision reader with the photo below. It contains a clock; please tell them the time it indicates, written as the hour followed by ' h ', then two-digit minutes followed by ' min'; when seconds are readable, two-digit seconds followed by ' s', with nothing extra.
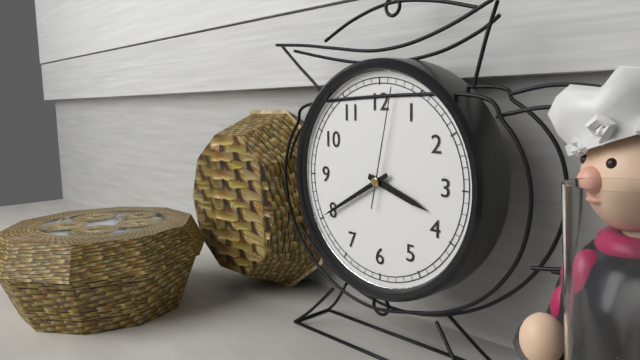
3 h 40 min 02 s
